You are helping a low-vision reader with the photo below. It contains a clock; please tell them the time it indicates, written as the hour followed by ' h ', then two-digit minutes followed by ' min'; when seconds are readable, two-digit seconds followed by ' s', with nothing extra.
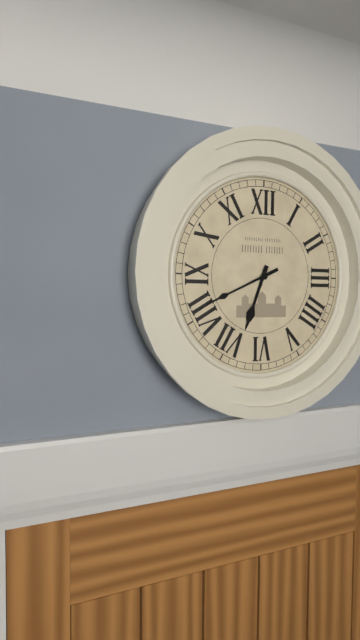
6 h 41 min
